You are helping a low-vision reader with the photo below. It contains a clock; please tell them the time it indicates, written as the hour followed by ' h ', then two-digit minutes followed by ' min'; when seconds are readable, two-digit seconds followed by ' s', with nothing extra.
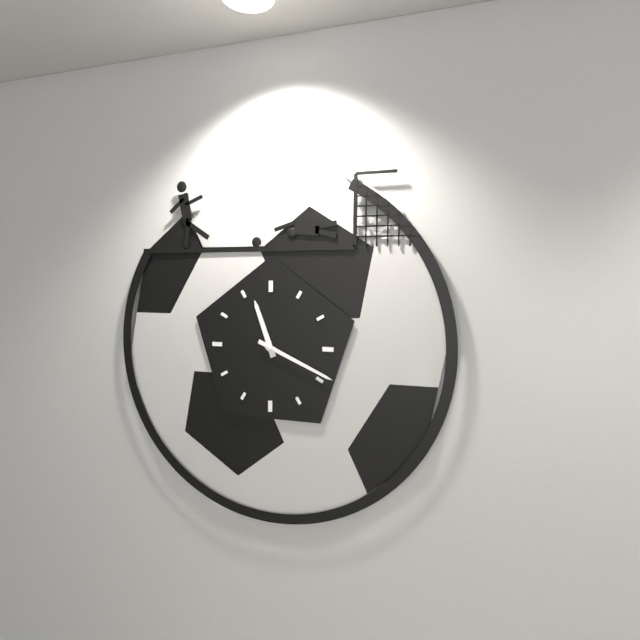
11 h 19 min
